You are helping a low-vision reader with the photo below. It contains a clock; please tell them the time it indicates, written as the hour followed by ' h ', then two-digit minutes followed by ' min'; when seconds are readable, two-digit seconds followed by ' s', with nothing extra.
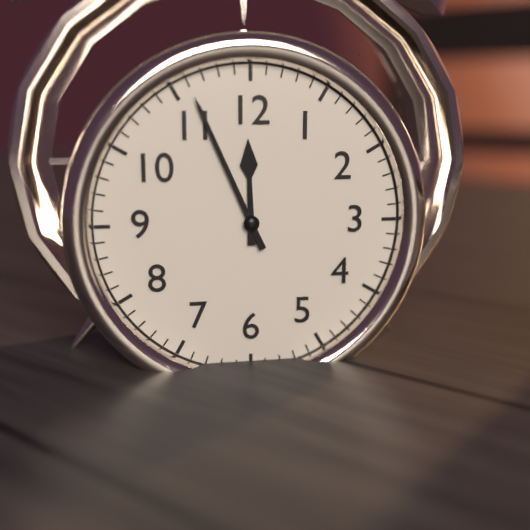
11 h 56 min
